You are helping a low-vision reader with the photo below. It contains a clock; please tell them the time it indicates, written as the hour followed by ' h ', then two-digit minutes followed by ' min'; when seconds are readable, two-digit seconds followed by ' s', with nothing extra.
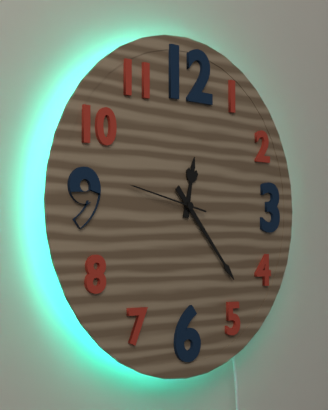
12 h 23 min 47 s
